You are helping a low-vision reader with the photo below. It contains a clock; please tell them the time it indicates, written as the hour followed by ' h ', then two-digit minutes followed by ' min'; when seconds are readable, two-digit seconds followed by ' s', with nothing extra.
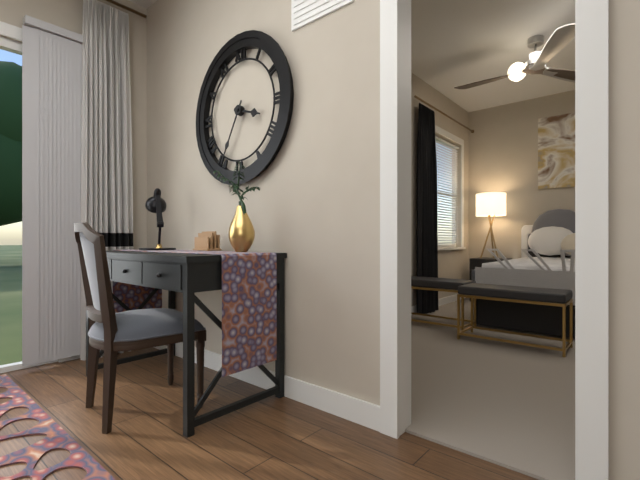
3 h 35 min
